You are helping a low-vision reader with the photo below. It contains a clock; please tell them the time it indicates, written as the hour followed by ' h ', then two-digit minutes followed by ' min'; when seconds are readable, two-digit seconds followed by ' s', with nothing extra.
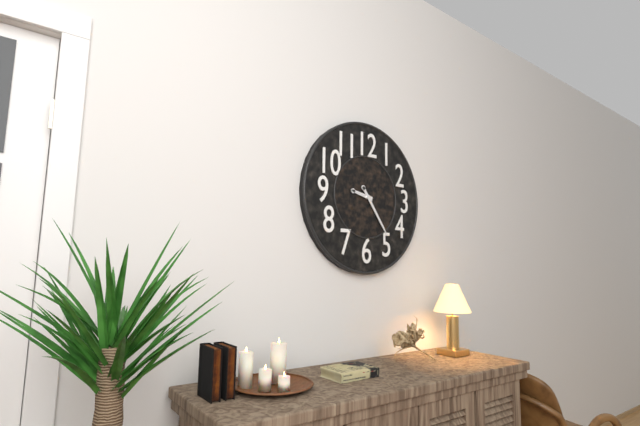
9 h 24 min
